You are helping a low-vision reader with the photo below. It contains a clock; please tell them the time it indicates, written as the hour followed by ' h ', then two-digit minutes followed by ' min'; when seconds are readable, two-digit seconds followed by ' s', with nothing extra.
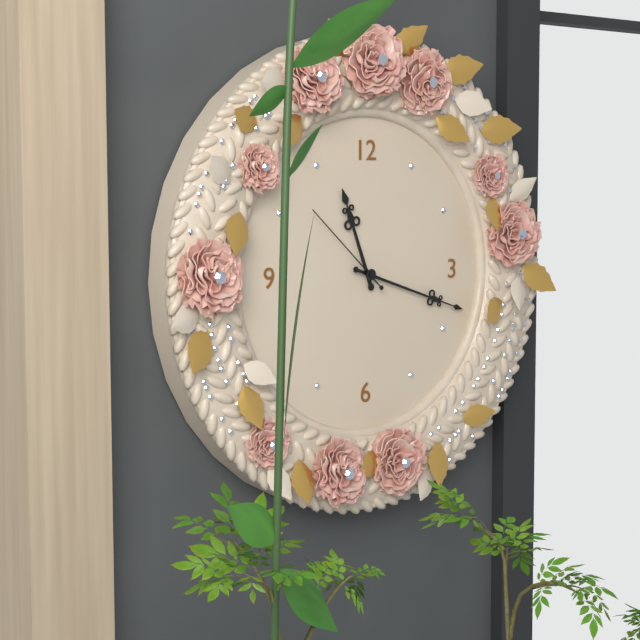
11 h 18 min 52 s
